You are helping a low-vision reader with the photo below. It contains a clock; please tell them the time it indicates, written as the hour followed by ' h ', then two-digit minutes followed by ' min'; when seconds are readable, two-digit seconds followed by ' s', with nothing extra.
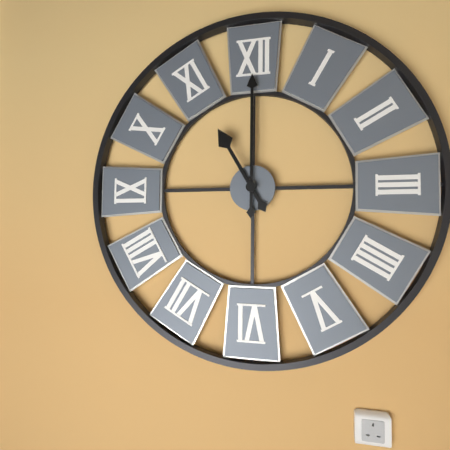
11 h 00 min
